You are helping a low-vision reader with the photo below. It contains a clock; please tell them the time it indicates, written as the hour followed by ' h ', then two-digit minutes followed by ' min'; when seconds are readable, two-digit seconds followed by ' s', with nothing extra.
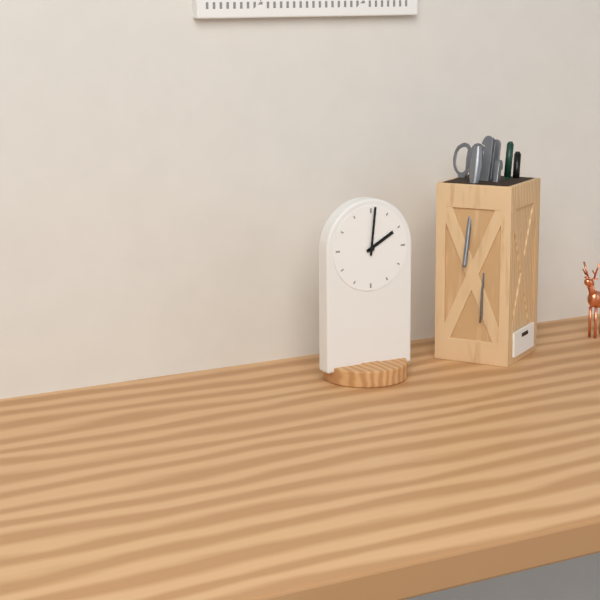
2 h 01 min
